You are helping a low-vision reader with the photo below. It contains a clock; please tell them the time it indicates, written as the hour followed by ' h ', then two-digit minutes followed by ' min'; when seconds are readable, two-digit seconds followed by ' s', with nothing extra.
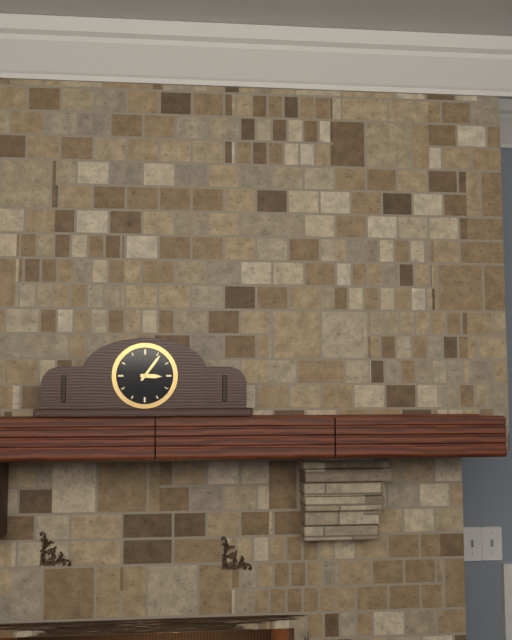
3 h 06 min
